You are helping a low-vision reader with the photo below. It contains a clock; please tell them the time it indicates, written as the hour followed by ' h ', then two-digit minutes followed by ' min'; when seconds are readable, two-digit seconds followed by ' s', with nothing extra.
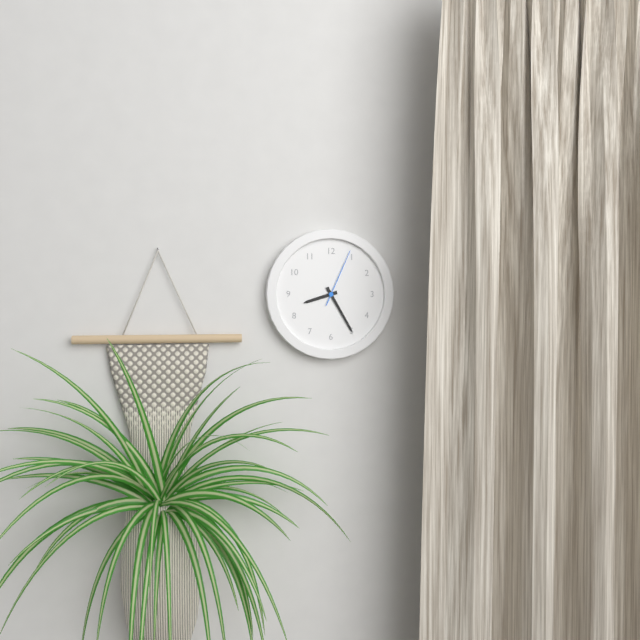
8 h 25 min 04 s
